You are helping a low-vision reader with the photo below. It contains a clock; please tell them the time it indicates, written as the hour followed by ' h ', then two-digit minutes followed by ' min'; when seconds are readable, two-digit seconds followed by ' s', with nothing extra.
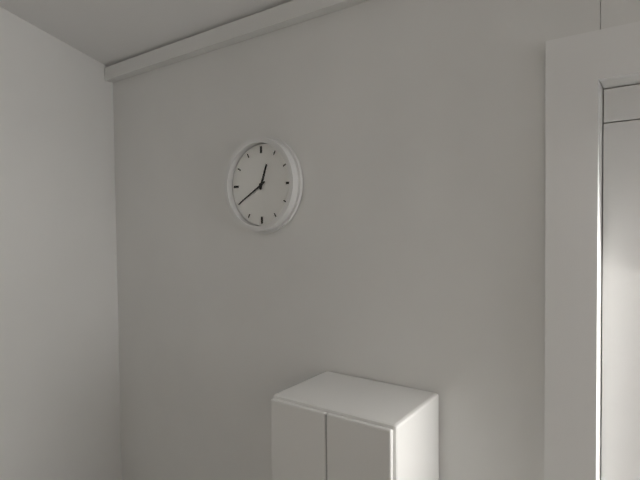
12 h 40 min
